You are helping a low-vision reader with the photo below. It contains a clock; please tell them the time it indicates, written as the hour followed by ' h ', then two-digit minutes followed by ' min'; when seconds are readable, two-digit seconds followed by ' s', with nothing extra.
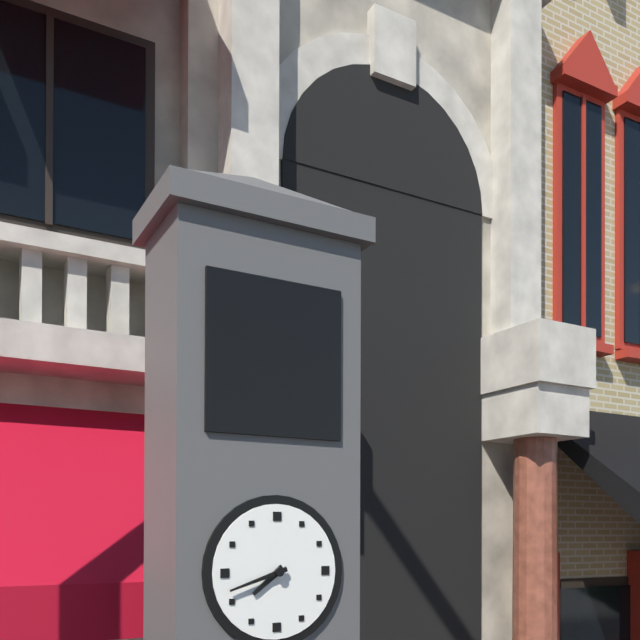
7 h 42 min
